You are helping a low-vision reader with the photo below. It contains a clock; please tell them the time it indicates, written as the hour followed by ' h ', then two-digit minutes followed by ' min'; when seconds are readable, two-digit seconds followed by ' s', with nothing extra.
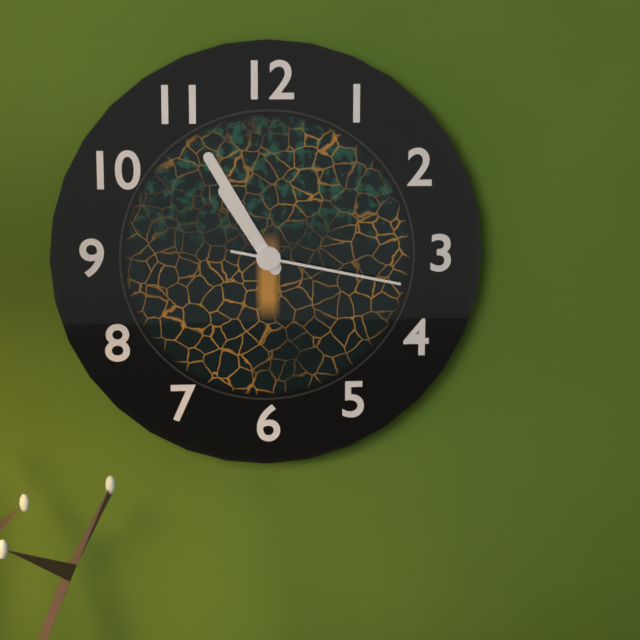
10 h 55 min 17 s
